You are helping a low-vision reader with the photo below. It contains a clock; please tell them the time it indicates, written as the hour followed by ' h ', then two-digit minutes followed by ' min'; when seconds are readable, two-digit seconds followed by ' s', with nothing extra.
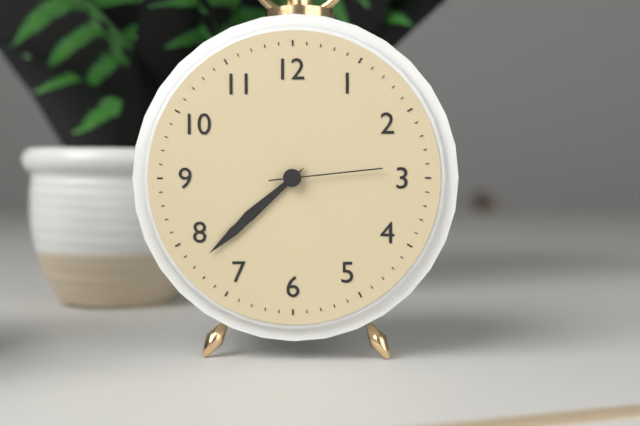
7 h 38 min 14 s
